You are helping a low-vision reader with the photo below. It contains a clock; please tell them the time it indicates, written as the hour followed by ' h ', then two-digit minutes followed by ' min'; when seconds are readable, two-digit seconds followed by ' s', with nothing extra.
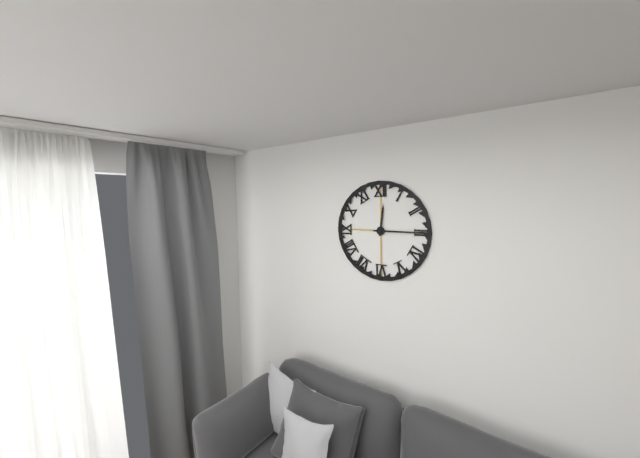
12 h 15 min
